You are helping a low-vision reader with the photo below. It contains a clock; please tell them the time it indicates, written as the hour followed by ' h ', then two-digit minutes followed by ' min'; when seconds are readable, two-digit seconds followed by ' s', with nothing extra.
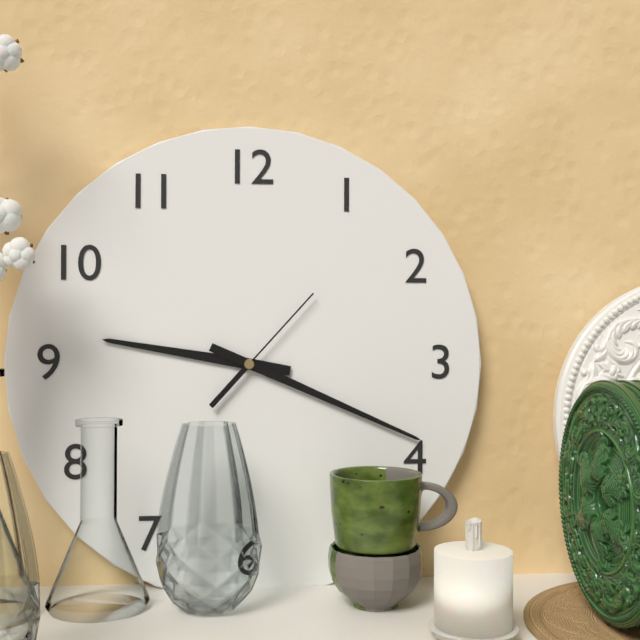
9 h 19 min 07 s
